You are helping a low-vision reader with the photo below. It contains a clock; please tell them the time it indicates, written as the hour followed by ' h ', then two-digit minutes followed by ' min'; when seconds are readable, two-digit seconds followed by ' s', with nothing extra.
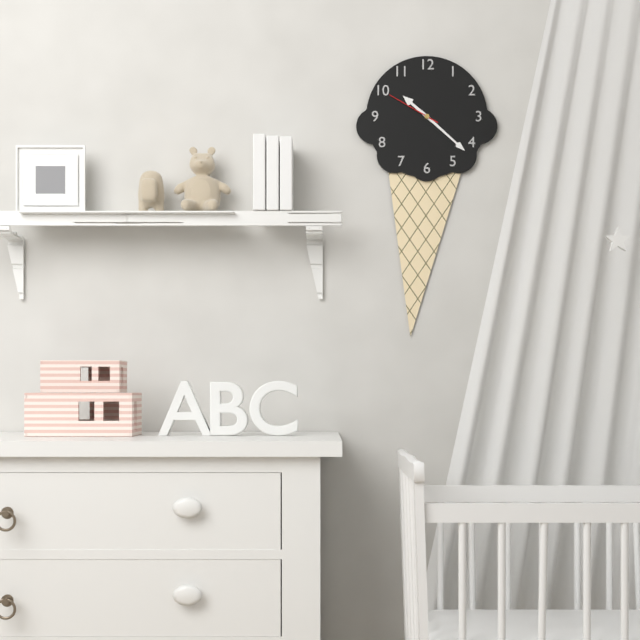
10 h 22 min 50 s
